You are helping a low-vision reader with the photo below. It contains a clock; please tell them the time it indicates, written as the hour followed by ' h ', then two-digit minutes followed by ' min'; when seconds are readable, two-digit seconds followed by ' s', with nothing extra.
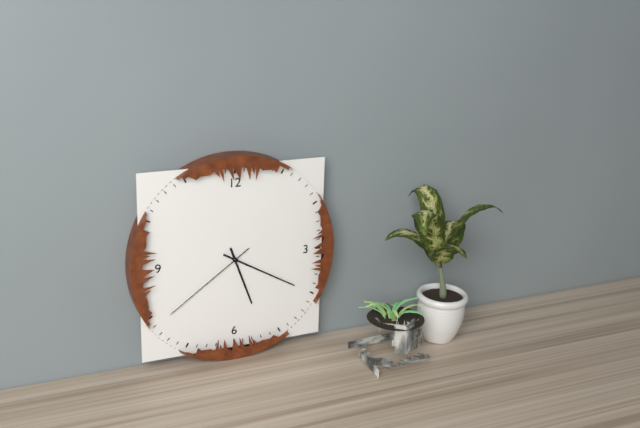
5 h 20 min 39 s
